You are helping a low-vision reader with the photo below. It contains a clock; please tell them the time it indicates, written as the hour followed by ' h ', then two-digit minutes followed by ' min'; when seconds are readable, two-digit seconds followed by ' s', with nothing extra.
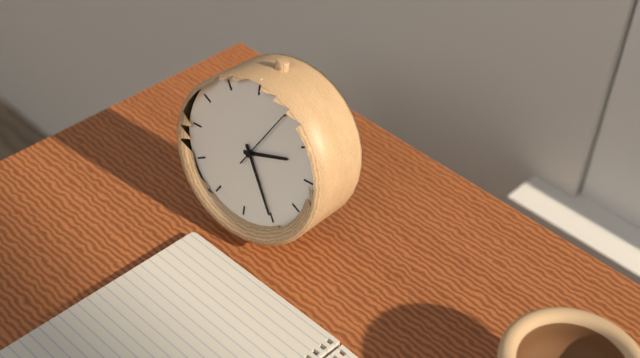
2 h 25 min 05 s
